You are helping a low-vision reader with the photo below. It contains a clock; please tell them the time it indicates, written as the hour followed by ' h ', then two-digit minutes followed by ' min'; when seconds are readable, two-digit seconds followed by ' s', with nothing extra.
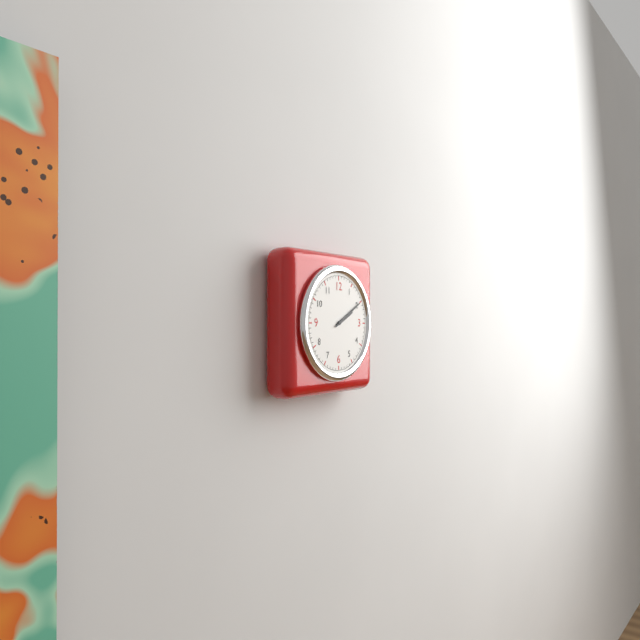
2 h 10 min
